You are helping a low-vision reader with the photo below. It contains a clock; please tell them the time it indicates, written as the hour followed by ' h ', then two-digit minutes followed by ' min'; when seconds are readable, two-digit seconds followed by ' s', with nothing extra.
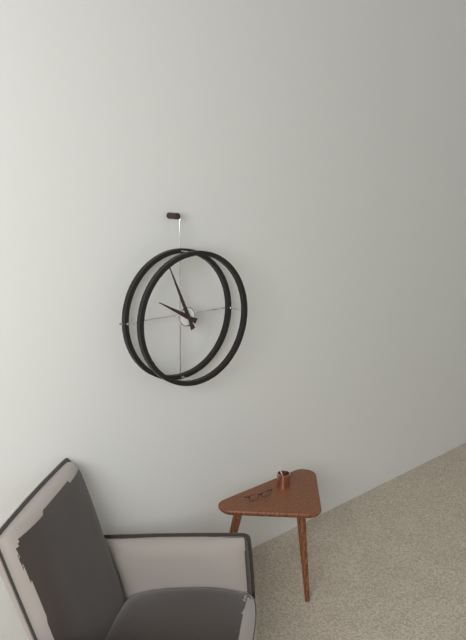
9 h 56 min
